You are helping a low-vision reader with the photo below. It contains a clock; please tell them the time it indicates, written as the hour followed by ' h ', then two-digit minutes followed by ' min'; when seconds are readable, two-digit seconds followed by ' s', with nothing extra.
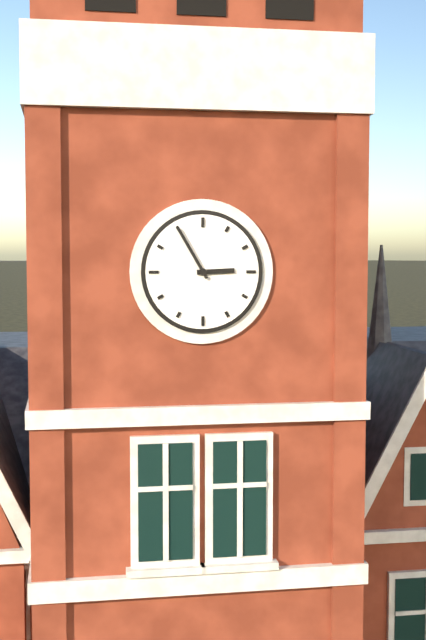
2 h 55 min
